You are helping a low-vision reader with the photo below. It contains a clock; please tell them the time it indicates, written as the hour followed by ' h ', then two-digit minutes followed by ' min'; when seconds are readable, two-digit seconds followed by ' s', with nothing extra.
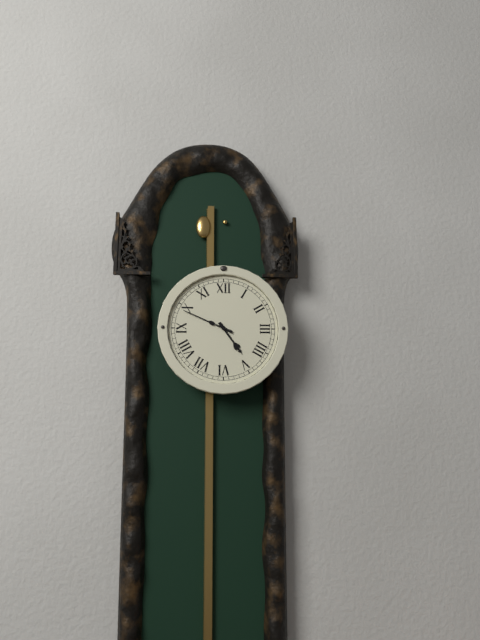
4 h 49 min
